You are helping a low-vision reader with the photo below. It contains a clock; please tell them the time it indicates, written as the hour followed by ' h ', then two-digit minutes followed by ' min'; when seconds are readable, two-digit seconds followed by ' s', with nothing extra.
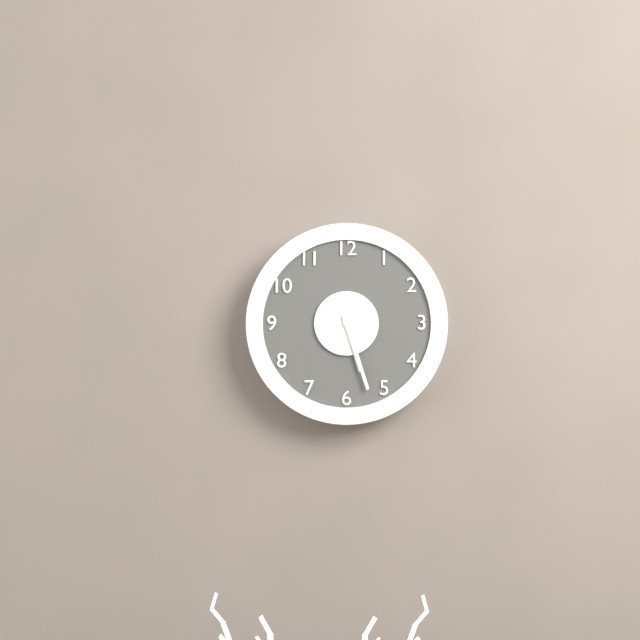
5 h 27 min
